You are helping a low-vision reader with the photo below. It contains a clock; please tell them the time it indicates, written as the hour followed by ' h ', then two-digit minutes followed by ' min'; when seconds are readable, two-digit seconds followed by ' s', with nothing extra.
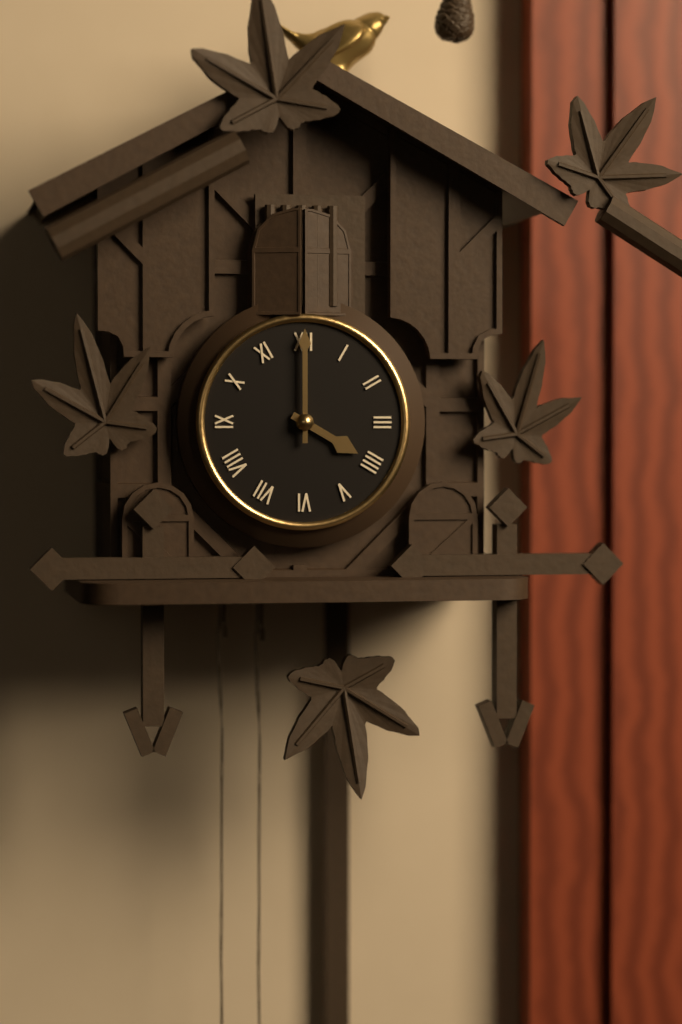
4 h 00 min
